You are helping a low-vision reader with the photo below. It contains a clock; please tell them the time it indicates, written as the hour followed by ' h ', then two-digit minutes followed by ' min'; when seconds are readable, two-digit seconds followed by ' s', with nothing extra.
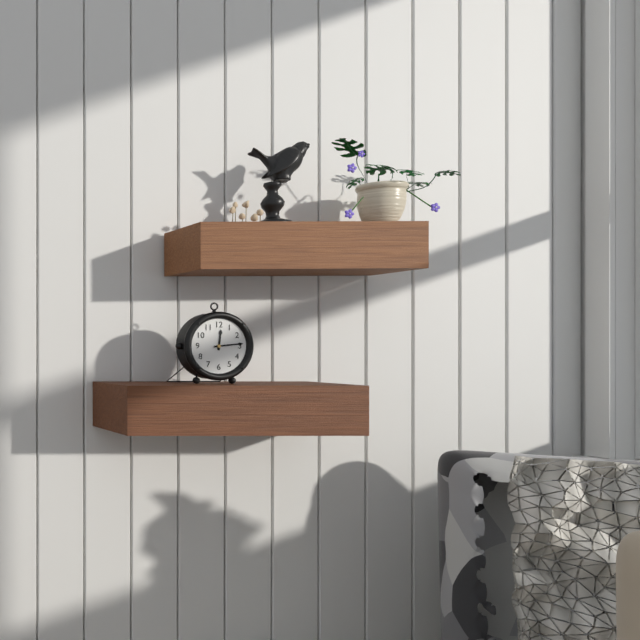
12 h 14 min
